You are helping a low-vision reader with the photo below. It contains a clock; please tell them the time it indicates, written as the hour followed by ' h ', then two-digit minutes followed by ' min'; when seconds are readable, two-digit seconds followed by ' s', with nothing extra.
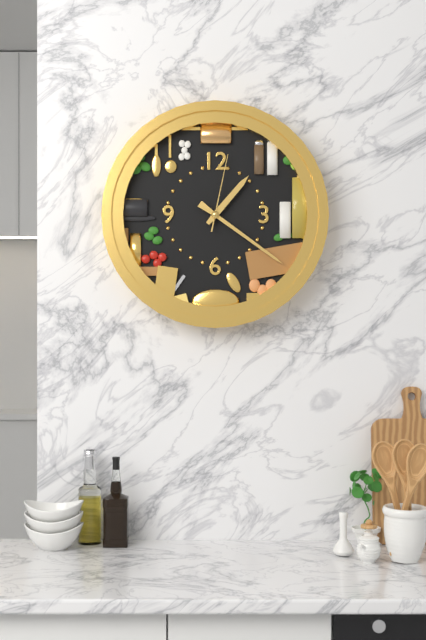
1 h 21 min 02 s
